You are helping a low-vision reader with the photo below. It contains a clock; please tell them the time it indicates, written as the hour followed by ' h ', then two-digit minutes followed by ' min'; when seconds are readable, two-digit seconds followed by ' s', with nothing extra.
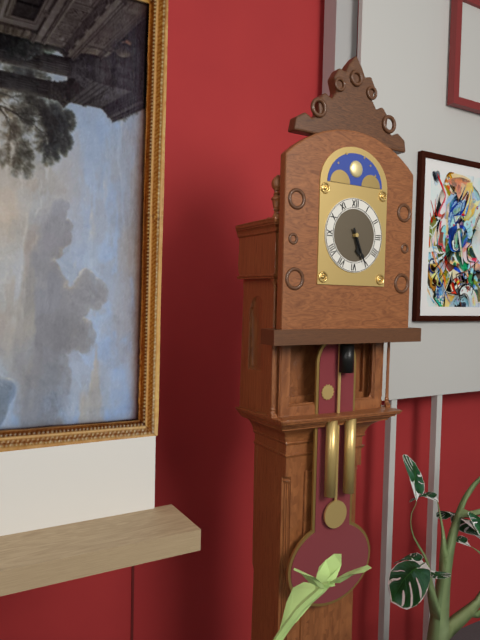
5 h 26 min
